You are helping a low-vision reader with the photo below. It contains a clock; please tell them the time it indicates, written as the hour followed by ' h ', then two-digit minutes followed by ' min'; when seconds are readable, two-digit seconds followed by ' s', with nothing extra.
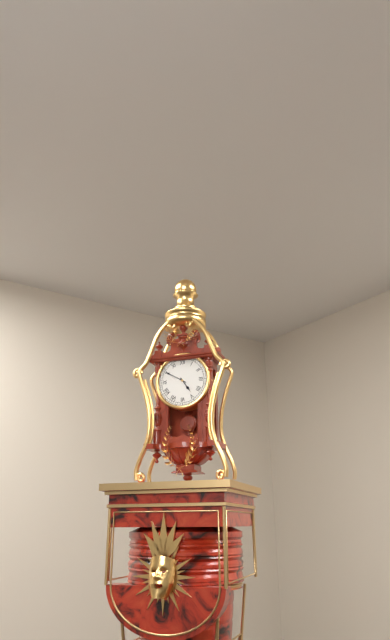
4 h 50 min
